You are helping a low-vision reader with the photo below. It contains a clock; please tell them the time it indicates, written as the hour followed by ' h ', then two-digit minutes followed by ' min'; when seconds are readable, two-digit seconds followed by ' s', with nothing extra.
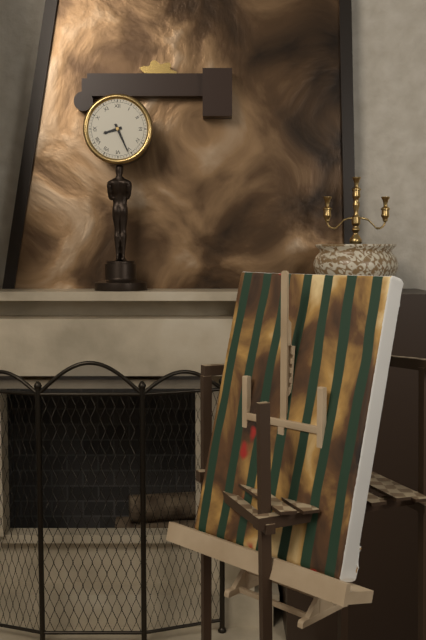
8 h 26 min
